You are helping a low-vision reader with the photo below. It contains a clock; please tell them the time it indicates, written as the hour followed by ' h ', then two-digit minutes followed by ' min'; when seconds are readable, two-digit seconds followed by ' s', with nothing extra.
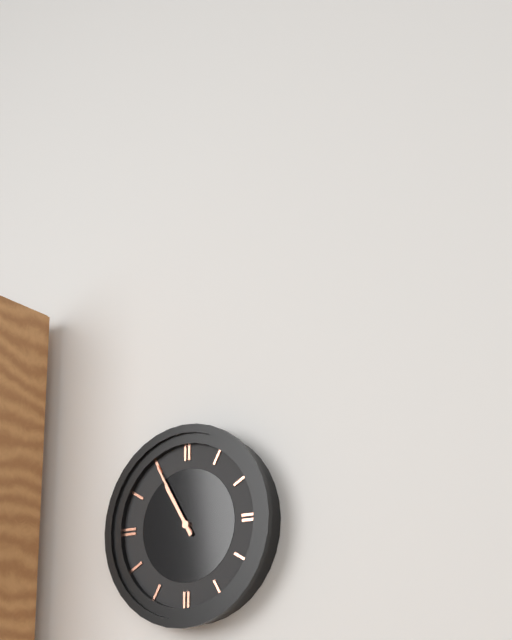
10 h 55 min
